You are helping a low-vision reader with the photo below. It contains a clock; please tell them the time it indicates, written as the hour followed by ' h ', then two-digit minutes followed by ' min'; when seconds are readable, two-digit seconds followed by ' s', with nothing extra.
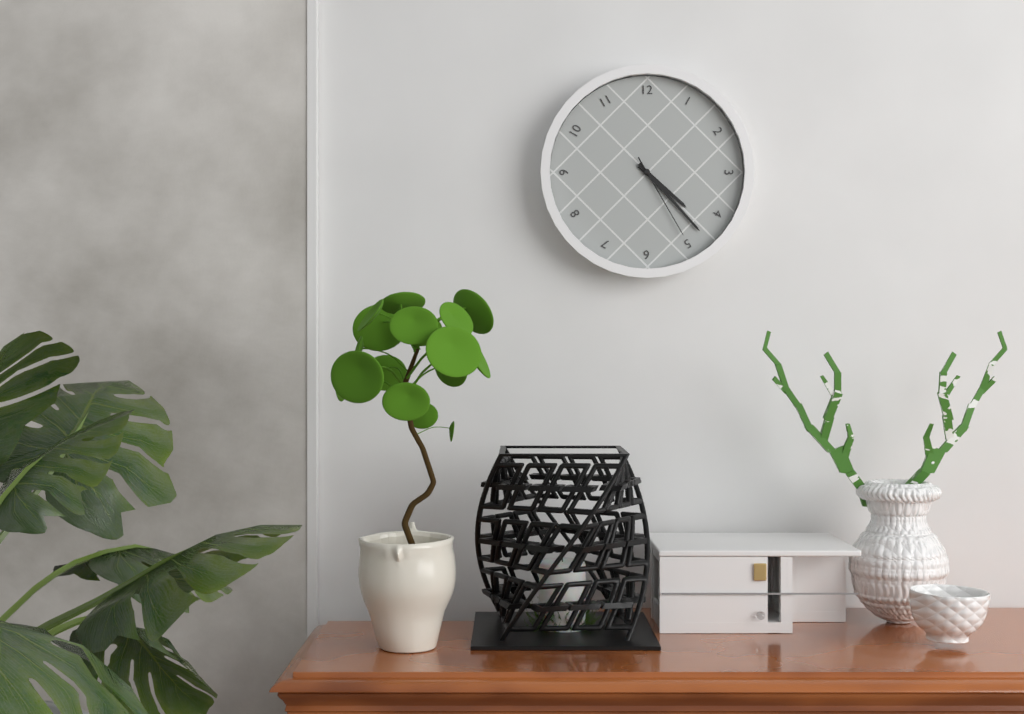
4 h 23 min 25 s
